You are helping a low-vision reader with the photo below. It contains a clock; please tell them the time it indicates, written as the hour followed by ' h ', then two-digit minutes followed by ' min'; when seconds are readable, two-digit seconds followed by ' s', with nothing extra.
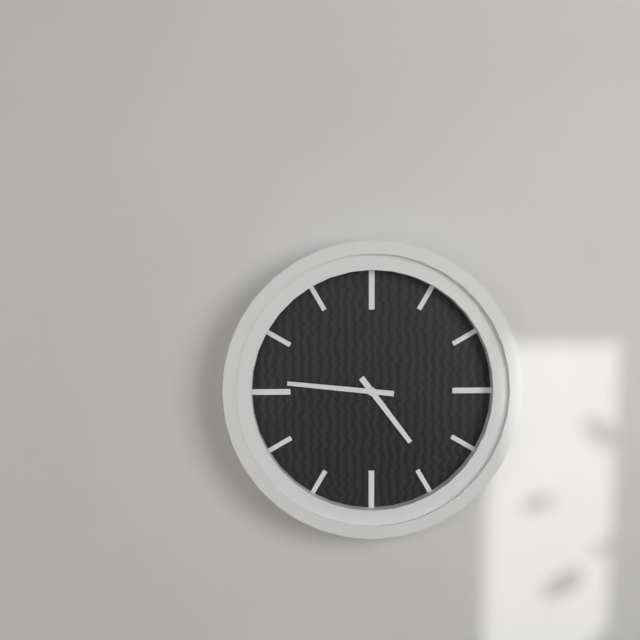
4 h 46 min
